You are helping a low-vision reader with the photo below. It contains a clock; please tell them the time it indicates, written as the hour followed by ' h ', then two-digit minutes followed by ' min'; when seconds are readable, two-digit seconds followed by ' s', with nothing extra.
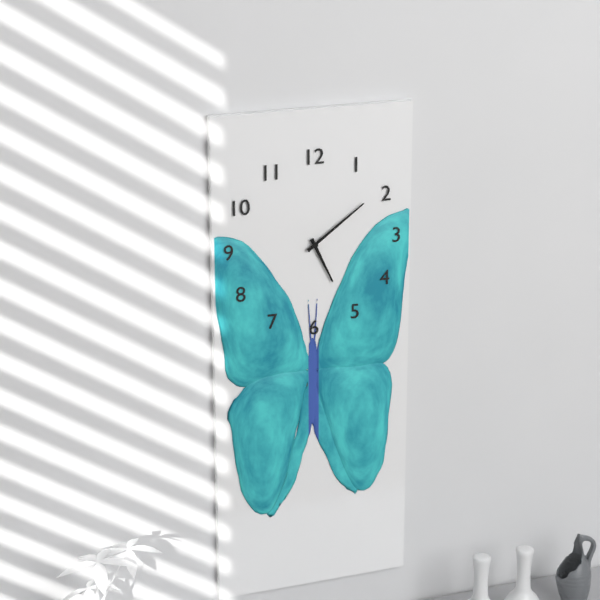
5 h 09 min
